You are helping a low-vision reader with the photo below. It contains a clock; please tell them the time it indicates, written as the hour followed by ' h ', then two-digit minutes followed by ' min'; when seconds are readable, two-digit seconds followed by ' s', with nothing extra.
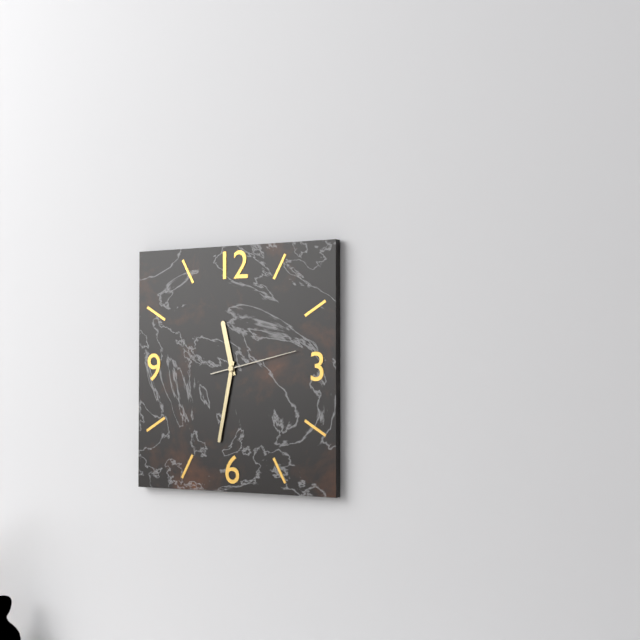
11 h 32 min 13 s
